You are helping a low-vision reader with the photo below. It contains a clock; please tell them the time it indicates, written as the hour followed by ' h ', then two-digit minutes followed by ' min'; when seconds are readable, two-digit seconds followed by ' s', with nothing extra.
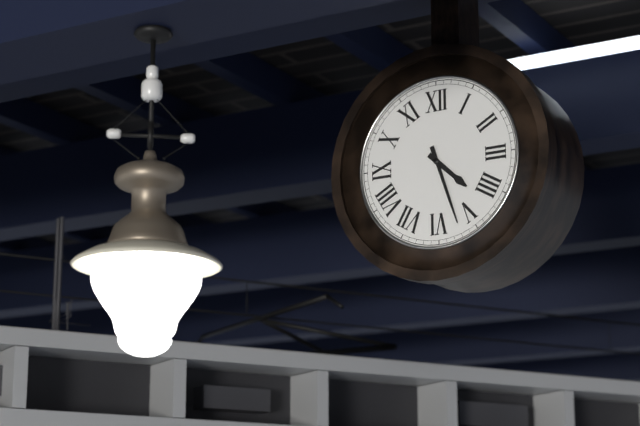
4 h 27 min
